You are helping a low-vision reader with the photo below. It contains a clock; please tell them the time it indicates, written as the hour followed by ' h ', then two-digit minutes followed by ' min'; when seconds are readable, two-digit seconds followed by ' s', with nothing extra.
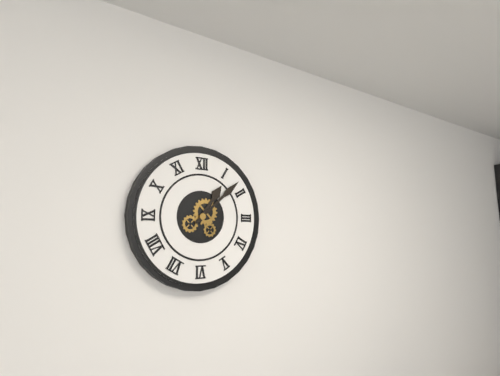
1 h 08 min
